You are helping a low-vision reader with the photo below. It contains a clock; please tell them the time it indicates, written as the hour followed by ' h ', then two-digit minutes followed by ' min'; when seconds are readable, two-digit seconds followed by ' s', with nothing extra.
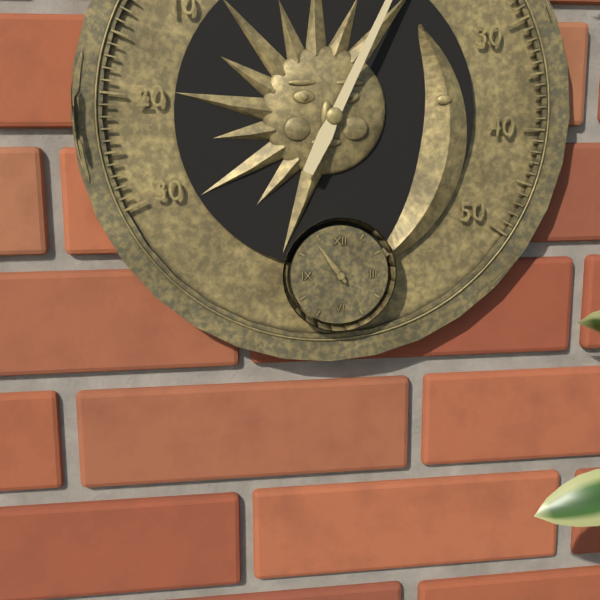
10 h 54 min
